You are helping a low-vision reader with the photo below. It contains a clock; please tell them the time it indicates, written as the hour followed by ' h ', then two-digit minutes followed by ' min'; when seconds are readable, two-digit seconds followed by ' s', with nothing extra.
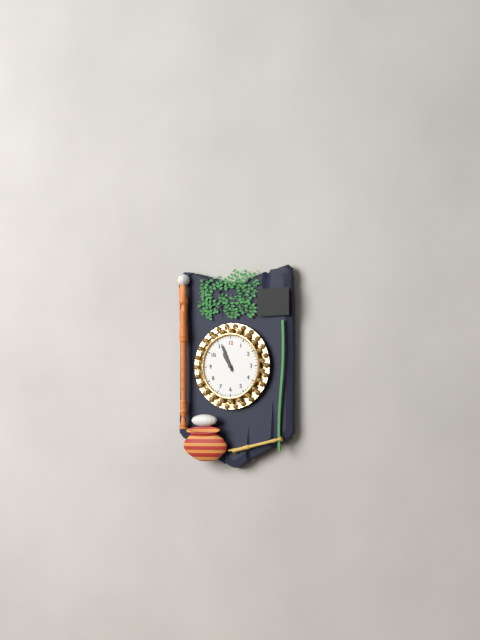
10 h 56 min
